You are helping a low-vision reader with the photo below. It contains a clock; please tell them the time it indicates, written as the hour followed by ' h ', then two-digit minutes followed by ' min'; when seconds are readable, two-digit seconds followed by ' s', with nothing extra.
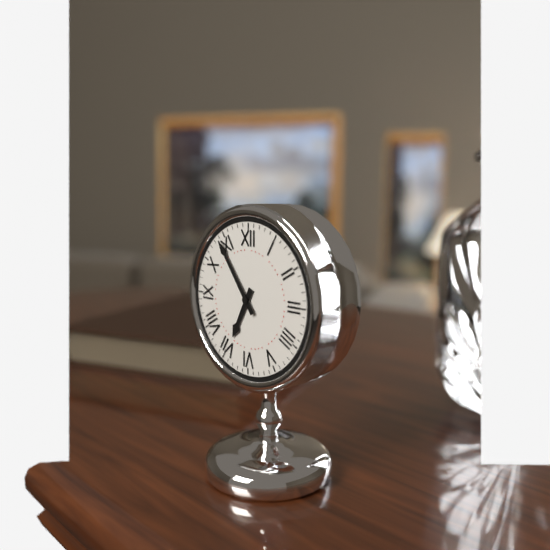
6 h 54 min
